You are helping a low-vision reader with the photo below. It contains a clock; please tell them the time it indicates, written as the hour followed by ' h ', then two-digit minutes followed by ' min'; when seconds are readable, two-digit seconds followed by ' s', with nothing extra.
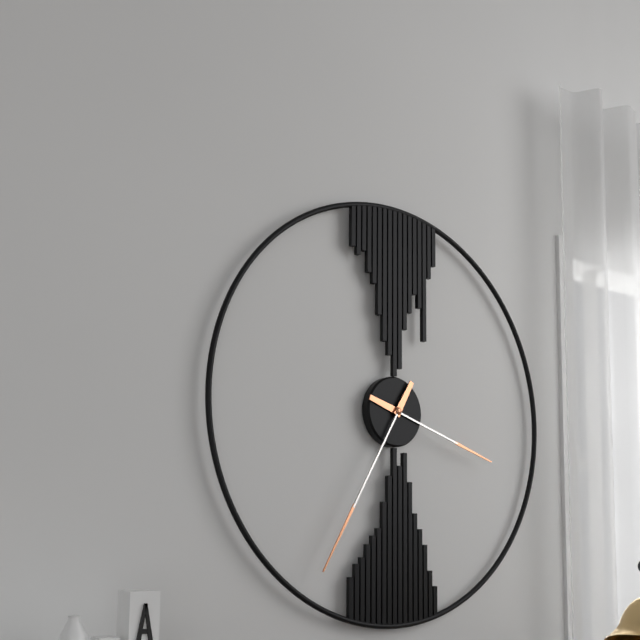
3 h 35 min
